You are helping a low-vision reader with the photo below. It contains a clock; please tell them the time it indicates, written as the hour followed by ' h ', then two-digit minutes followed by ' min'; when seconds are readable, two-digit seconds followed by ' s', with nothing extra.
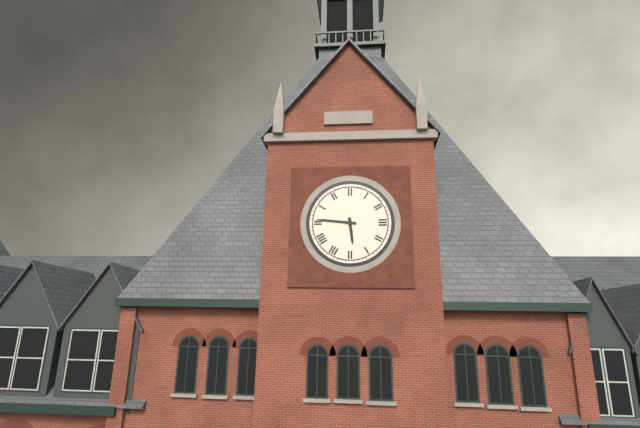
5 h 46 min
